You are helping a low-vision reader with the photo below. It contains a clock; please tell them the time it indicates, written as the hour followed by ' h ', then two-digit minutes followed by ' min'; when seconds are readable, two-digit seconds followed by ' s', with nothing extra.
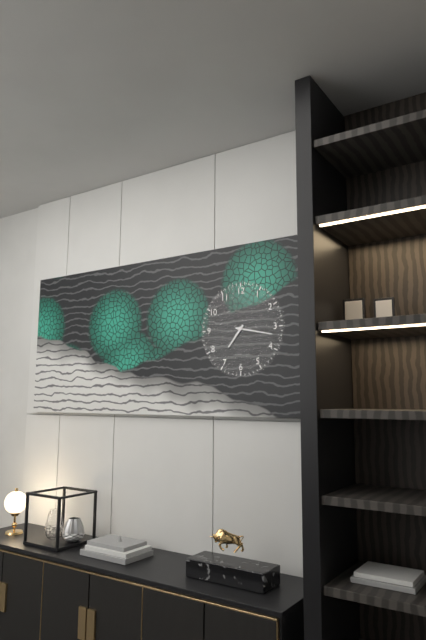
7 h 17 min
